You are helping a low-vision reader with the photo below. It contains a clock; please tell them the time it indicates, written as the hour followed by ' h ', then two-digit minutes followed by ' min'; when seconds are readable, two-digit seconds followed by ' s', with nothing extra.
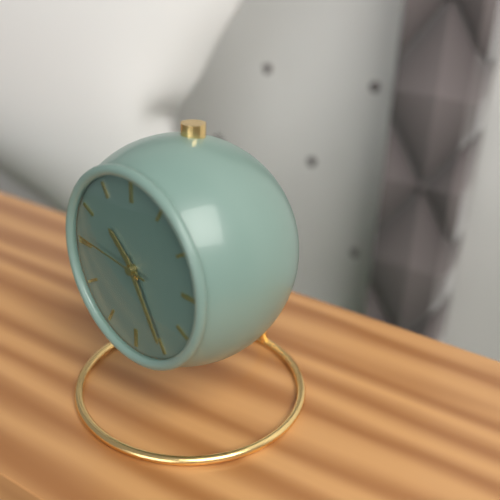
10 h 25 min 46 s
